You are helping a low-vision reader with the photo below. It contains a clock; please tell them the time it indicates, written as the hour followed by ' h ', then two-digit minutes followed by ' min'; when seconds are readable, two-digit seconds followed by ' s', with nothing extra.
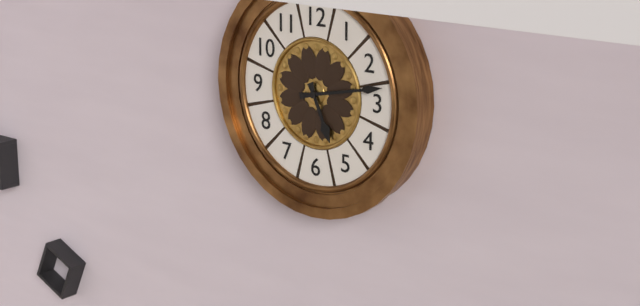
5 h 13 min
